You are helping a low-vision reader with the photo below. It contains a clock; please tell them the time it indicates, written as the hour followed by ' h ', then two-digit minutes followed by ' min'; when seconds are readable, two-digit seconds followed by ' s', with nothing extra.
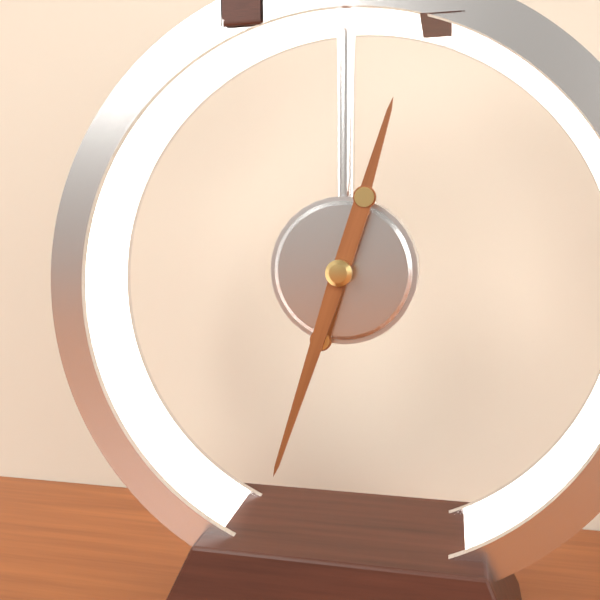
12 h 33 min
